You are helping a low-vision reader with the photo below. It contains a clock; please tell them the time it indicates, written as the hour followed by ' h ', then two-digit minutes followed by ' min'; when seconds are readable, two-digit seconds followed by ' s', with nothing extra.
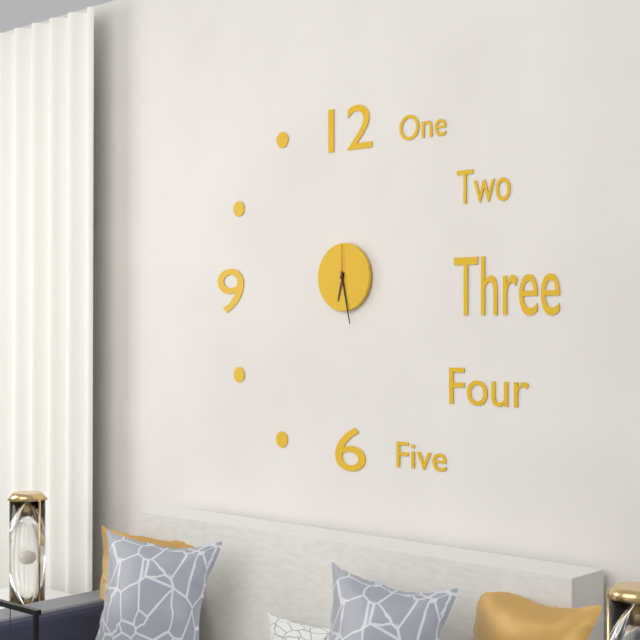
6 h 28 min
